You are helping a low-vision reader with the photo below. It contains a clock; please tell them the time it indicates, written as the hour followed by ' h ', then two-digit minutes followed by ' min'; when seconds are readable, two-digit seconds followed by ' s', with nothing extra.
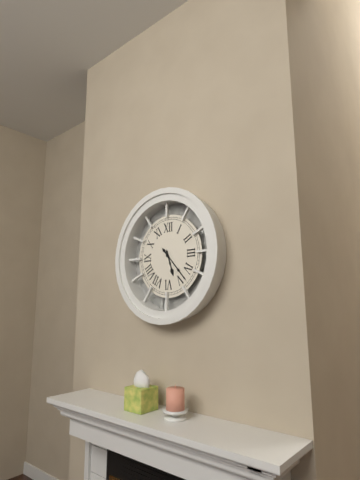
5 h 23 min
